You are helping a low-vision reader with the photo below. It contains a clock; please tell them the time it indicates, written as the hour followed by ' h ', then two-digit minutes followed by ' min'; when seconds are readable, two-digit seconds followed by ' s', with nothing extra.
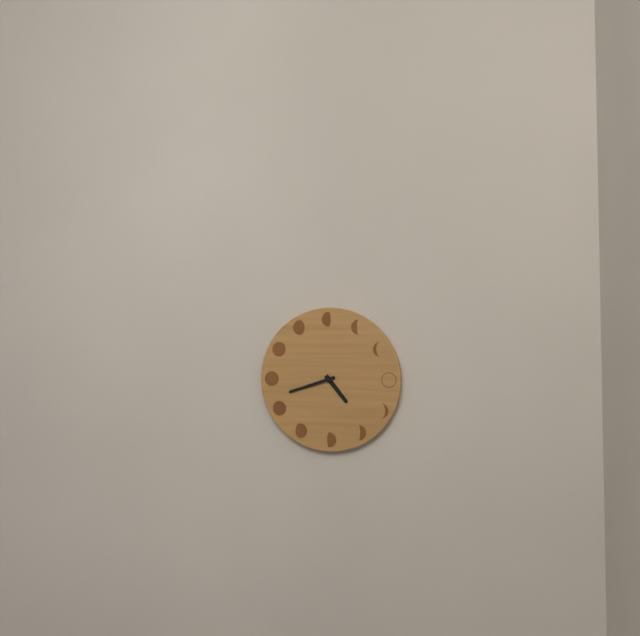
4 h 42 min
